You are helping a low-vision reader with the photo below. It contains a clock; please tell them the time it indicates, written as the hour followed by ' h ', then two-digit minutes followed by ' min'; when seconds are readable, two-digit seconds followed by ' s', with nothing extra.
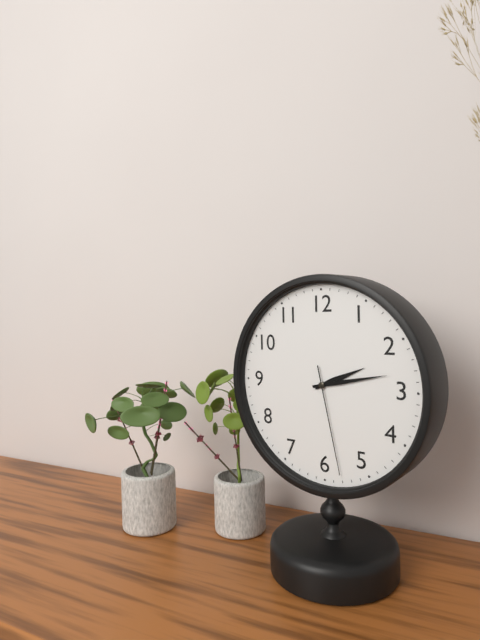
2 h 13 min 28 s
